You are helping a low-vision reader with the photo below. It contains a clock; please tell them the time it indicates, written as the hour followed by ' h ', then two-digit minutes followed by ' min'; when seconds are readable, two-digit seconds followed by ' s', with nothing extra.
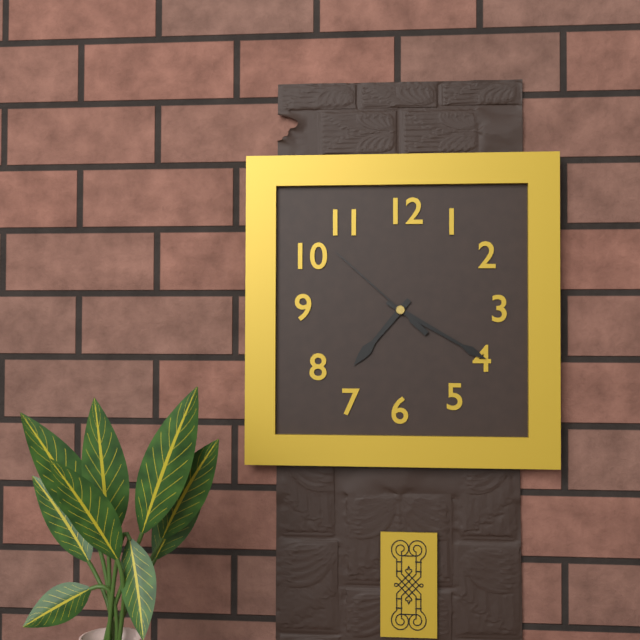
7 h 20 min 52 s
